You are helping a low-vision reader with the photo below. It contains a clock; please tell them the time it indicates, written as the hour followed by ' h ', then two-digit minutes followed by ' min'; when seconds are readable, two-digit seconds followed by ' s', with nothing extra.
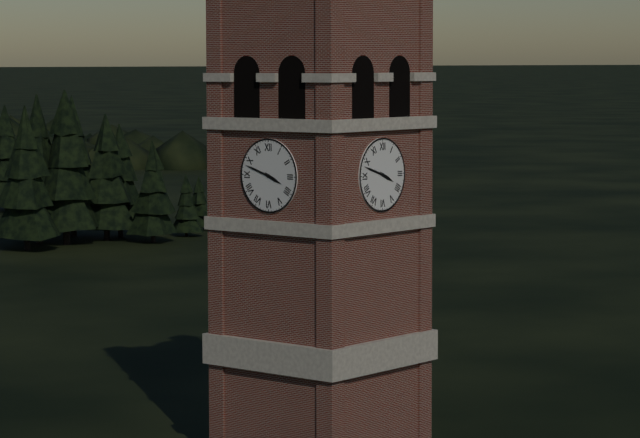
3 h 48 min
